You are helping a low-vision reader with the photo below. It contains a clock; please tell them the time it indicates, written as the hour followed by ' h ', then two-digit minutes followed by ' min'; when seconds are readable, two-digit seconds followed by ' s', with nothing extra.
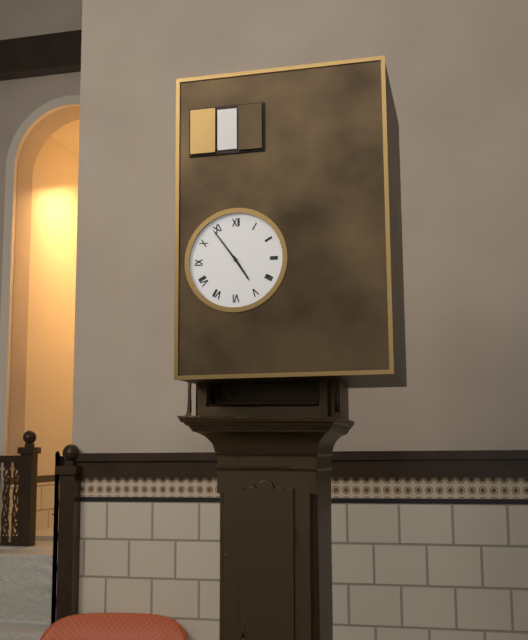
4 h 54 min
